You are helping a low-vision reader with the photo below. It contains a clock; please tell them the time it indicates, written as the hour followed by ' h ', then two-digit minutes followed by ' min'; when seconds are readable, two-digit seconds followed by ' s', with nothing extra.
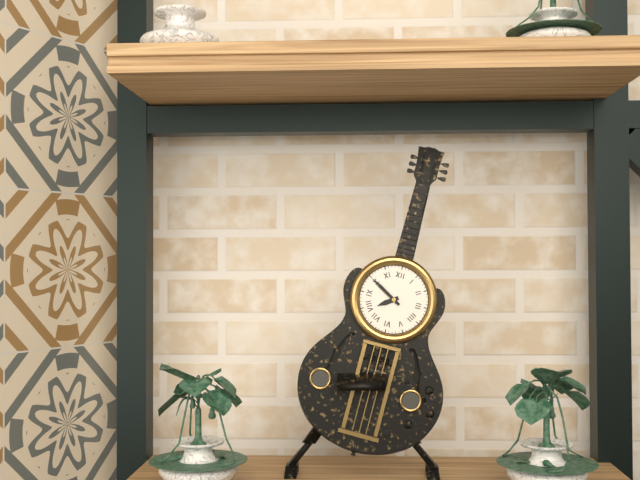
7 h 50 min
